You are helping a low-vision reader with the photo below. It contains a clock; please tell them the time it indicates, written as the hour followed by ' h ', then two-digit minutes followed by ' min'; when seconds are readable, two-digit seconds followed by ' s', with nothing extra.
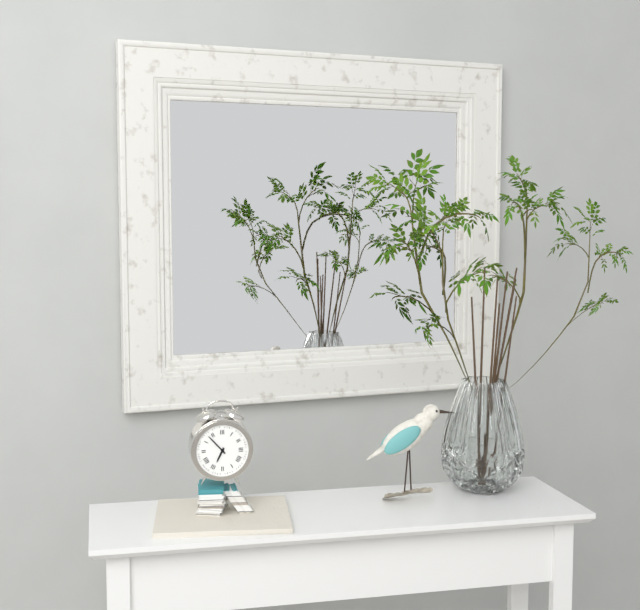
6 h 53 min
